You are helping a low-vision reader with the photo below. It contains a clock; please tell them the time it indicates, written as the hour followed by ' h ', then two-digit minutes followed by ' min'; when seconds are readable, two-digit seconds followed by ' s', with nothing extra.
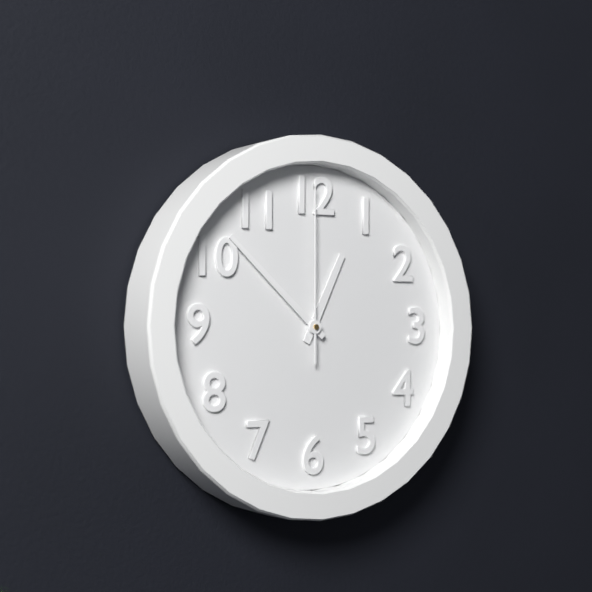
12 h 52 min 00 s
